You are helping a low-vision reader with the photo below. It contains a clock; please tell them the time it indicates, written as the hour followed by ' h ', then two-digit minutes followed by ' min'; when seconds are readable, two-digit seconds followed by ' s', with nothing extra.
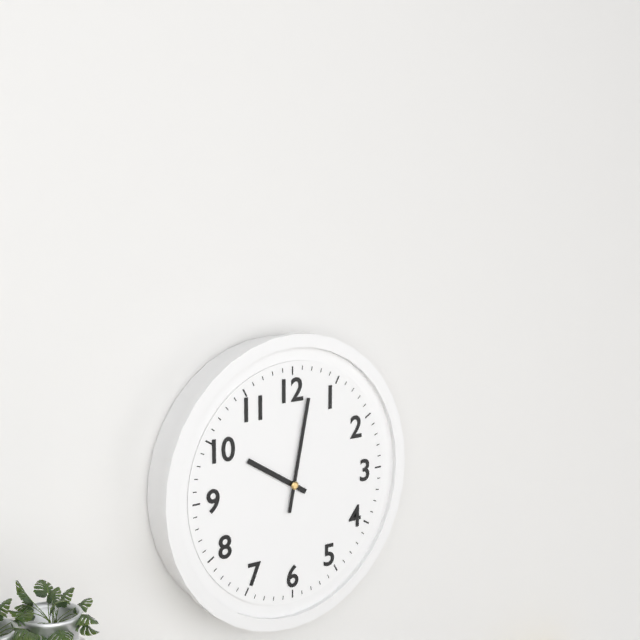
10 h 02 min
